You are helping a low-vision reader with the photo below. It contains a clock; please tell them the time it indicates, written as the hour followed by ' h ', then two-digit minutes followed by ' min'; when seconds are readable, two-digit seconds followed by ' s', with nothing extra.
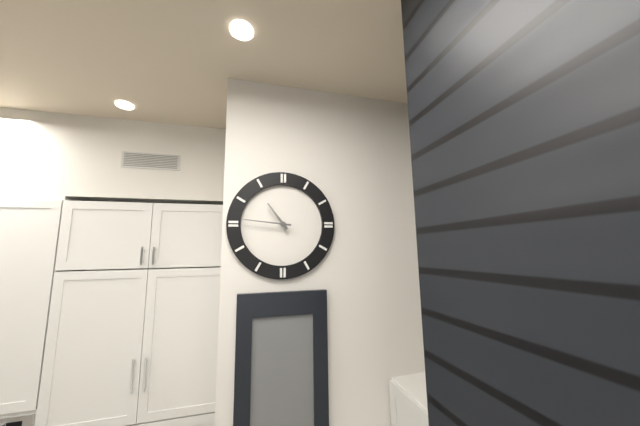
10 h 46 min
